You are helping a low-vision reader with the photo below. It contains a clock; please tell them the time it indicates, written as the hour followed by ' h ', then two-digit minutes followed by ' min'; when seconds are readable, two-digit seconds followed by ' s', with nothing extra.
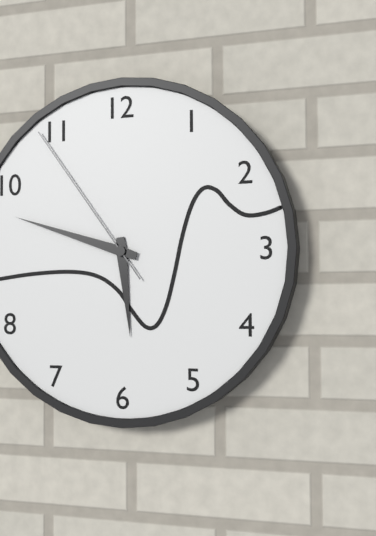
5 h 48 min 54 s
